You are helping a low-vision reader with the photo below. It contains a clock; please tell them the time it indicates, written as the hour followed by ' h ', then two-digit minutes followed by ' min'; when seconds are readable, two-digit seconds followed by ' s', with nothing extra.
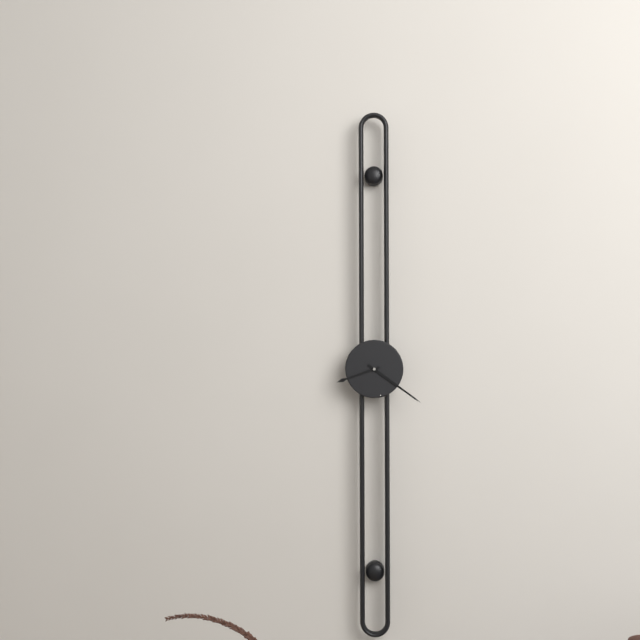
8 h 21 min
